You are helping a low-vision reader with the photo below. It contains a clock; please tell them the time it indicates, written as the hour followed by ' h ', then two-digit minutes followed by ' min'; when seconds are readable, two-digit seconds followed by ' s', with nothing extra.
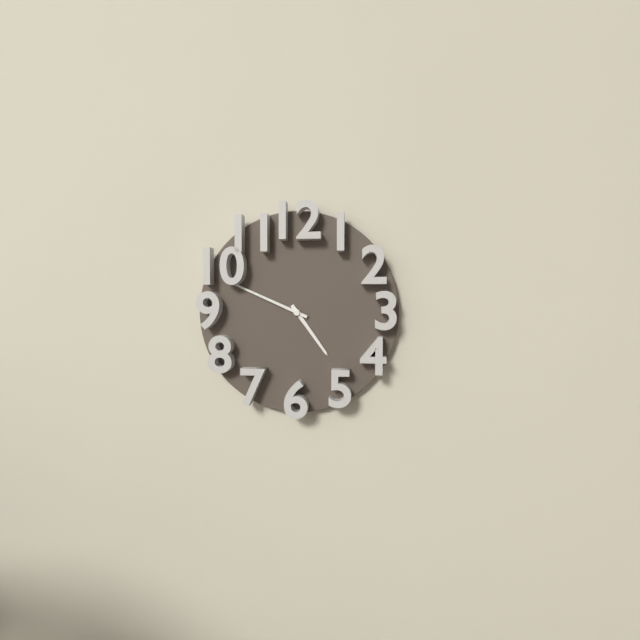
4 h 49 min
